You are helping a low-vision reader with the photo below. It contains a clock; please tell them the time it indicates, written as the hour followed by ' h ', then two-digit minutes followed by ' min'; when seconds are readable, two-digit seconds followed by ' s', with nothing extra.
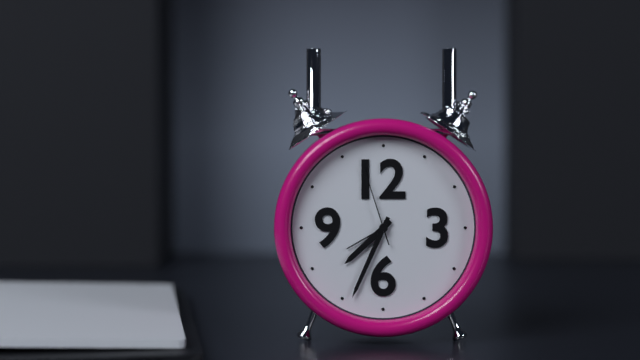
7 h 34 min 57 s
